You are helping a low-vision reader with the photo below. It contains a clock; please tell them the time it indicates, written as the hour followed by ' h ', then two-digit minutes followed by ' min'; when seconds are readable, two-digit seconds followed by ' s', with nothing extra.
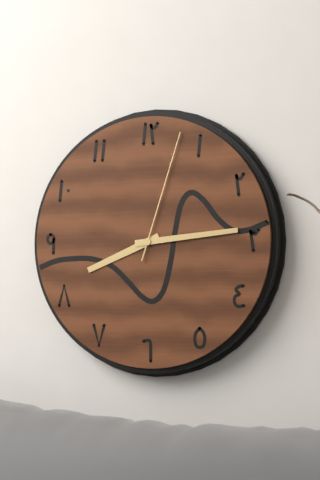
8 h 14 min 03 s
